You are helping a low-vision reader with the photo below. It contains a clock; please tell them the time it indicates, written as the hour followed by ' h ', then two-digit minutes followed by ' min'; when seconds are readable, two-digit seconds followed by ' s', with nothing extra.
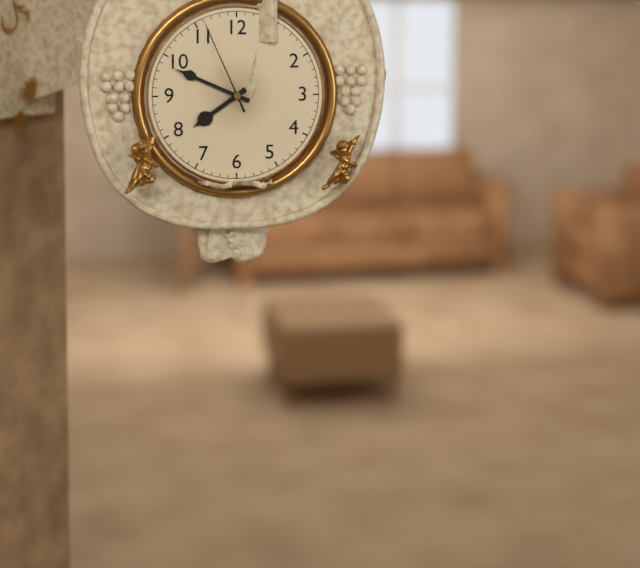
7 h 49 min 56 s
